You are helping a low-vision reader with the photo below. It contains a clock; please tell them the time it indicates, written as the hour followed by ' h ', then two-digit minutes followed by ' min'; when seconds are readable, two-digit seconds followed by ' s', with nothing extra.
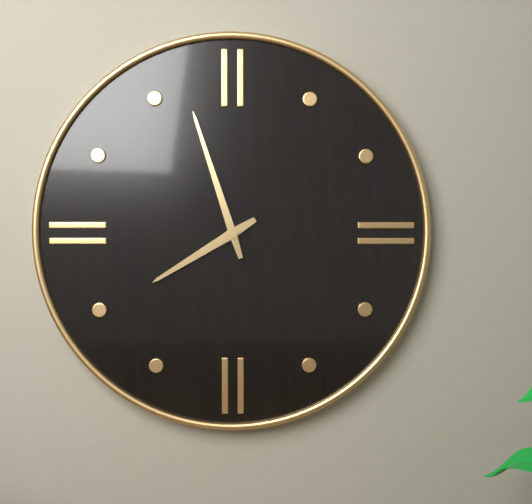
7 h 57 min
